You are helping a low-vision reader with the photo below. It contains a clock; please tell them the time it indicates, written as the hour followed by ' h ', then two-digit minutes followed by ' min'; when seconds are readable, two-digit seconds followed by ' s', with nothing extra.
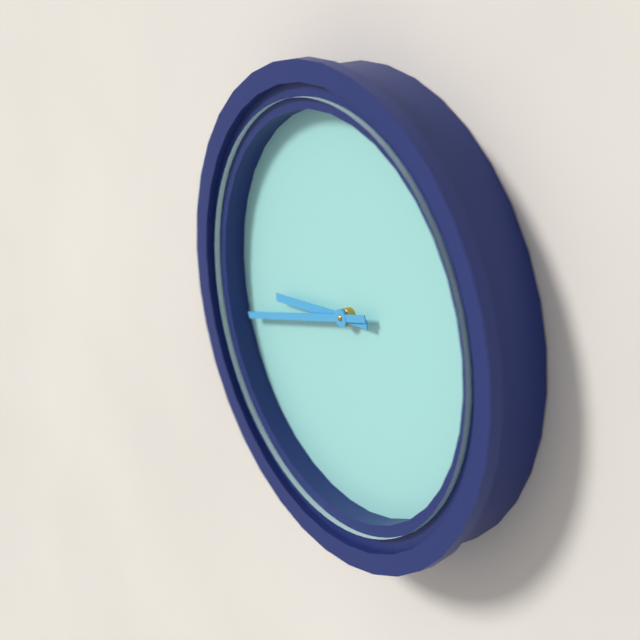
8 h 42 min
